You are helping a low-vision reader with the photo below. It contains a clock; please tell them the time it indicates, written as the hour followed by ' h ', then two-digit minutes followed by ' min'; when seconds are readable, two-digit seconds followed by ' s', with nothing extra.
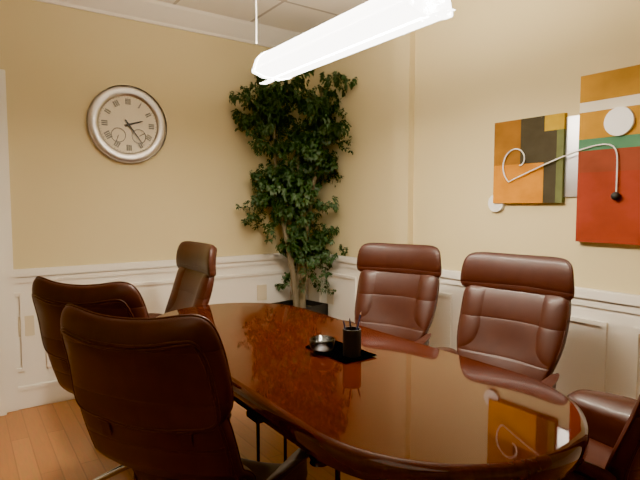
2 h 24 min
